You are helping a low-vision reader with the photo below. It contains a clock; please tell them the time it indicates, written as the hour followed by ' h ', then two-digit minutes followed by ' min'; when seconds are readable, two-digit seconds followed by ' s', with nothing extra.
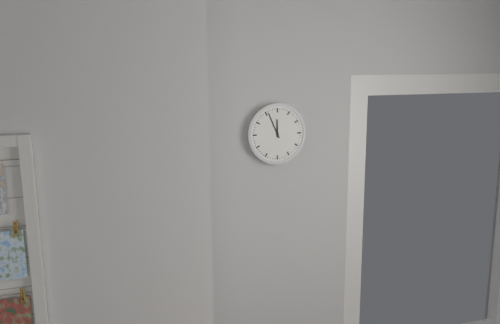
11 h 56 min
